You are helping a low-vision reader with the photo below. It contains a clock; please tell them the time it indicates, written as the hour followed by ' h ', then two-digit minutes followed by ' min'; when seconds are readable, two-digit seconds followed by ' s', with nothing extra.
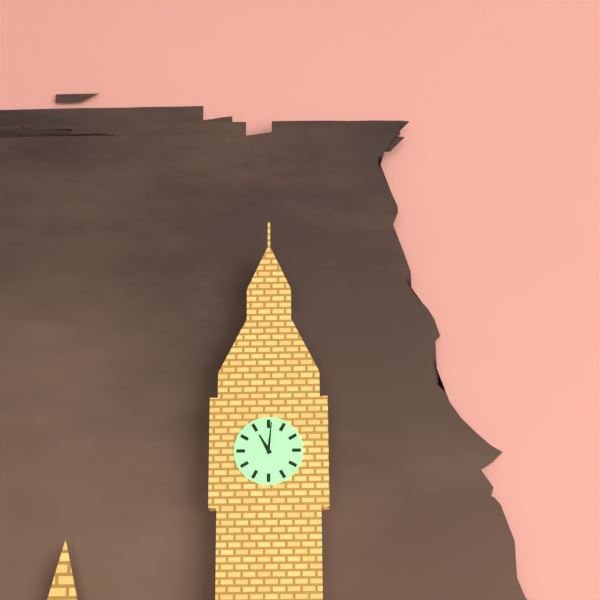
11 h 01 min
